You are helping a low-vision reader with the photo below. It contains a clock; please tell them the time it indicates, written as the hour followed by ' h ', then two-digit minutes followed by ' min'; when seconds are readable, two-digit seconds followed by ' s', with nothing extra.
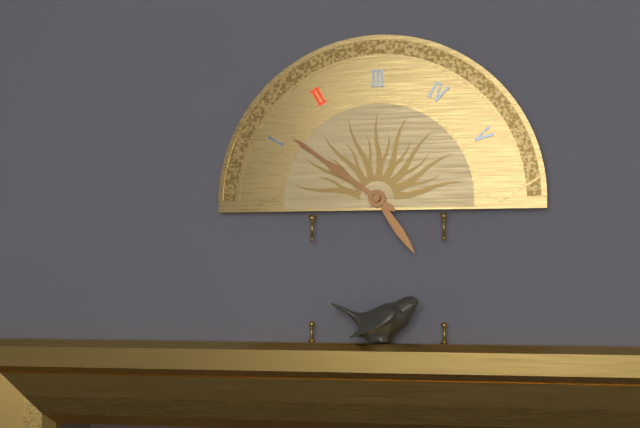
4 h 51 min
